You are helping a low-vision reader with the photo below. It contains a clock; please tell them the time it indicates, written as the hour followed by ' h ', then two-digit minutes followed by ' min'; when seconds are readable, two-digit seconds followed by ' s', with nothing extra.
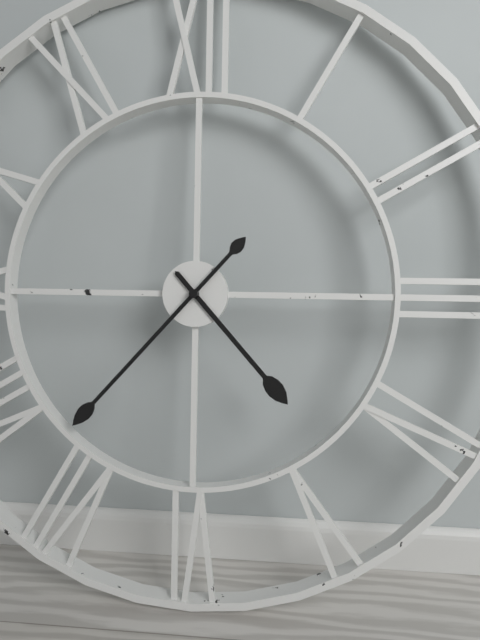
4 h 37 min
